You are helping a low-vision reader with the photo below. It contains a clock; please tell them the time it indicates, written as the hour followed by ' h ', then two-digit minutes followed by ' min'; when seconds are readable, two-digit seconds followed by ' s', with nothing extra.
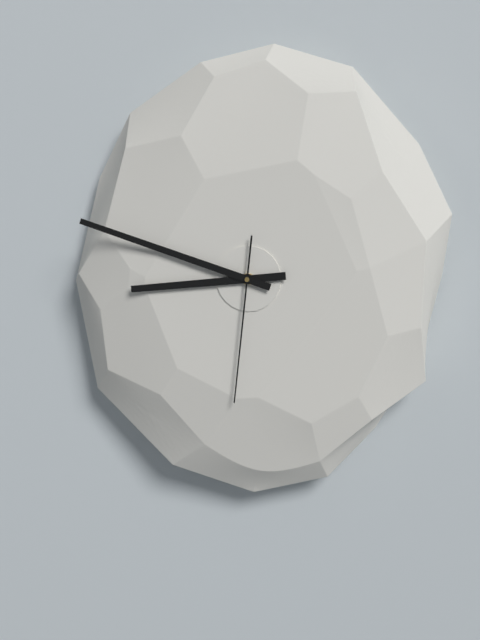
8 h 48 min 31 s
